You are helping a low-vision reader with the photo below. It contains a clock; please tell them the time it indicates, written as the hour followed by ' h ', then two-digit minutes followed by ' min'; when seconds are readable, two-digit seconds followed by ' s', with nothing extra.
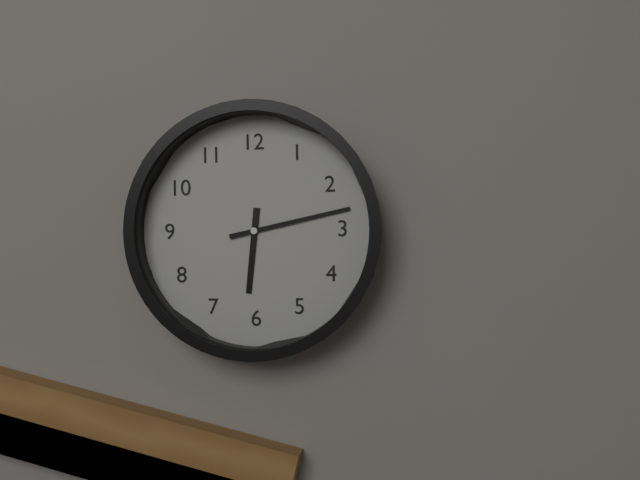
6 h 13 min
